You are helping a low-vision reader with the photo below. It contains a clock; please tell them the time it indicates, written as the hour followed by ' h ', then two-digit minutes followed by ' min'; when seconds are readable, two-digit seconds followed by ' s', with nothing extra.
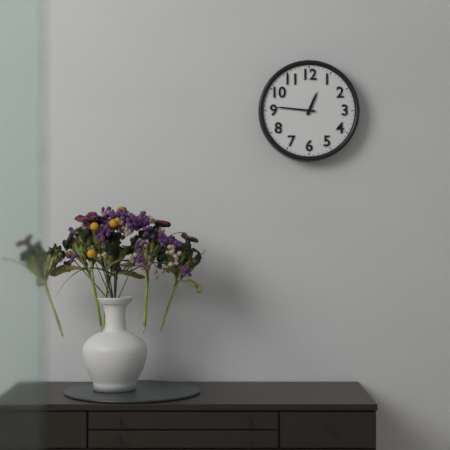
12 h 46 min
